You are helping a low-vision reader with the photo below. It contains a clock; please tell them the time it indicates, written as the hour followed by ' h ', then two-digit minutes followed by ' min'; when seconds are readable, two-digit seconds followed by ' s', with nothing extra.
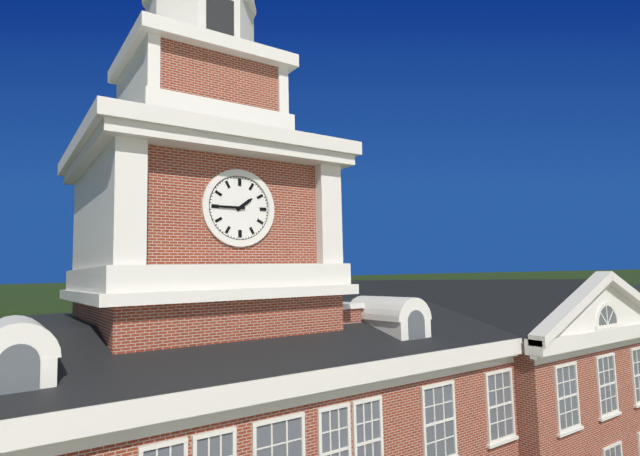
1 h 45 min
